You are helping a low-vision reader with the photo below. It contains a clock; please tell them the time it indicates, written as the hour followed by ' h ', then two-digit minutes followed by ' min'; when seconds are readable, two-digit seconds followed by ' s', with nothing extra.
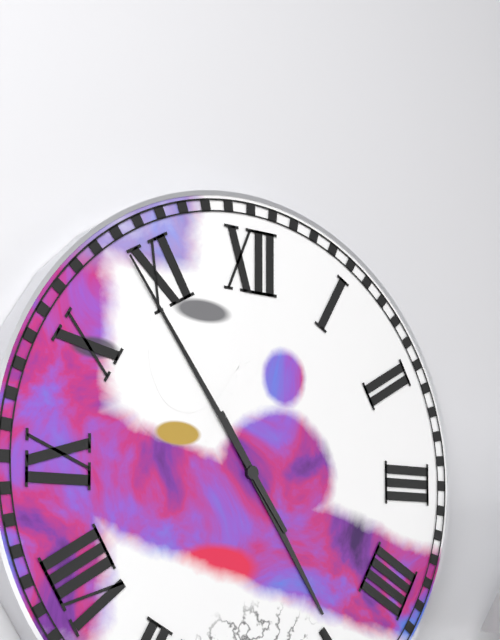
4 h 54 min
